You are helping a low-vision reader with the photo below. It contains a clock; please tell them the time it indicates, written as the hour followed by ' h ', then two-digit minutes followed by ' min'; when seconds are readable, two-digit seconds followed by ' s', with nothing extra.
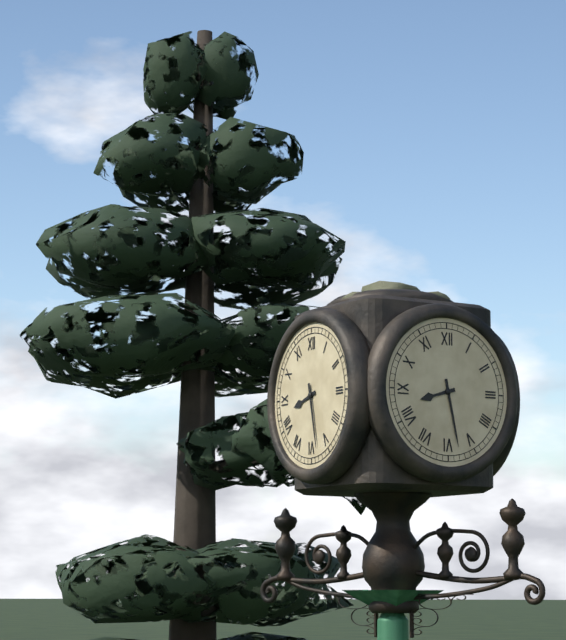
8 h 28 min
